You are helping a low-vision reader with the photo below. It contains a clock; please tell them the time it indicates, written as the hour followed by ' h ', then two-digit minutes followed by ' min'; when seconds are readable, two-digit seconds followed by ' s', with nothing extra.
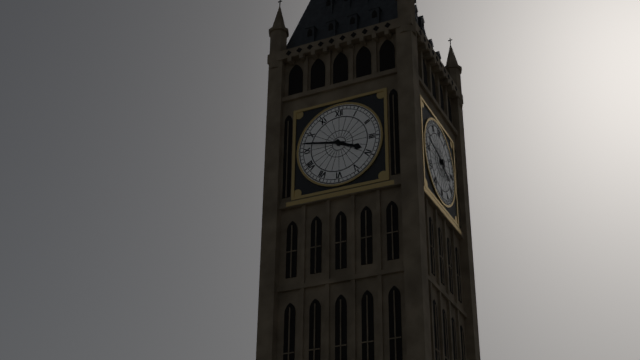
3 h 47 min
